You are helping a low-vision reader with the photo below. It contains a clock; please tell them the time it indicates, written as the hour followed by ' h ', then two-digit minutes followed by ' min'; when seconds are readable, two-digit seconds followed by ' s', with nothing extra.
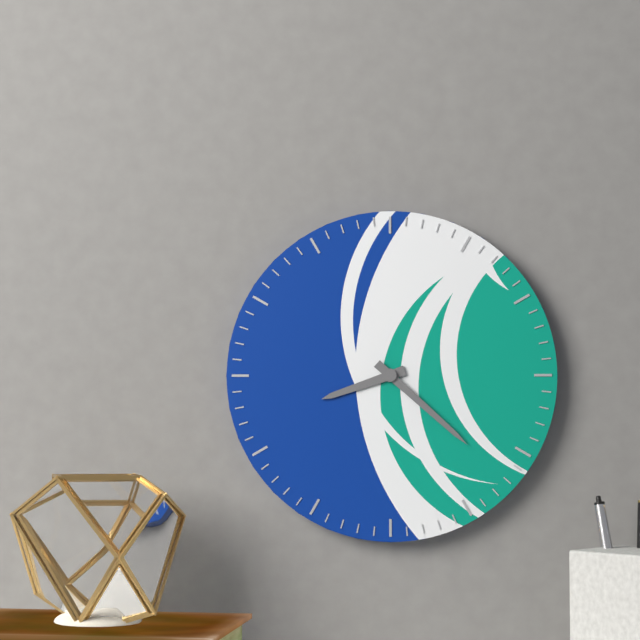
8 h 22 min
